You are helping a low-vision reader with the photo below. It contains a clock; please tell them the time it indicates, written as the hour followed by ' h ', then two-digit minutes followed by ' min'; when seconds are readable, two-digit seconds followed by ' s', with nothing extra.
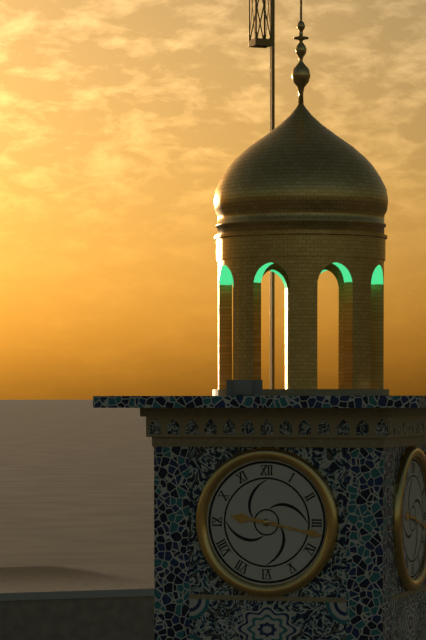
9 h 17 min
